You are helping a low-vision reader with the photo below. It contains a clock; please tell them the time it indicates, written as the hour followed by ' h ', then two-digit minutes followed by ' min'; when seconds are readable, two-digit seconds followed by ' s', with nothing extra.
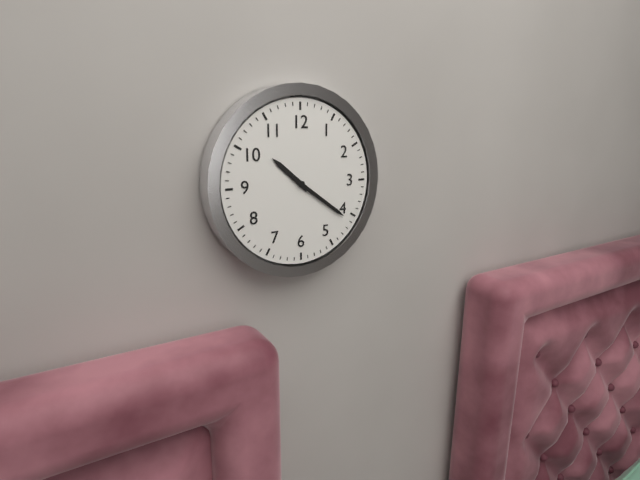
10 h 21 min
